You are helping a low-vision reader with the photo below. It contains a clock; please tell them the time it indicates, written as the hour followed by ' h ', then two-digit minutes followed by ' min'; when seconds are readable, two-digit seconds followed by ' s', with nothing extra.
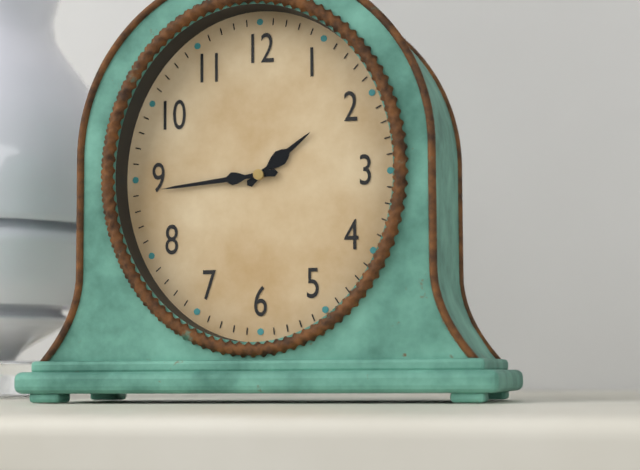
1 h 44 min
